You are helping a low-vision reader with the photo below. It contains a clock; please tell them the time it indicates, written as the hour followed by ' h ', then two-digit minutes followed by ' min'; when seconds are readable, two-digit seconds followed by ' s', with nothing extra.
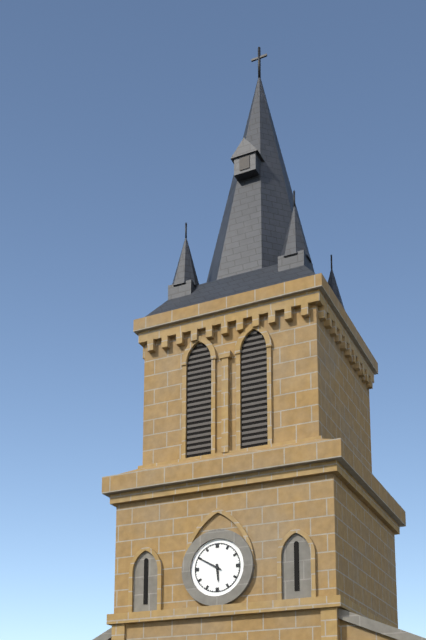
5 h 50 min
